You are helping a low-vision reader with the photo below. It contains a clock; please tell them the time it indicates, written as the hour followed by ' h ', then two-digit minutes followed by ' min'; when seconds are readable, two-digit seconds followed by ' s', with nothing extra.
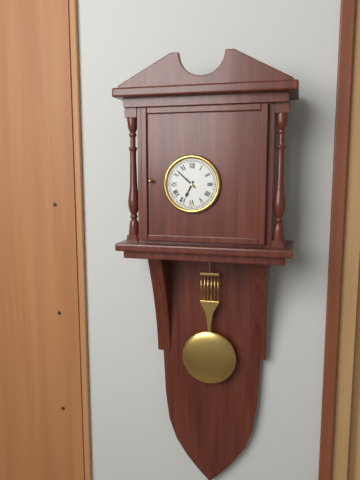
6 h 52 min
